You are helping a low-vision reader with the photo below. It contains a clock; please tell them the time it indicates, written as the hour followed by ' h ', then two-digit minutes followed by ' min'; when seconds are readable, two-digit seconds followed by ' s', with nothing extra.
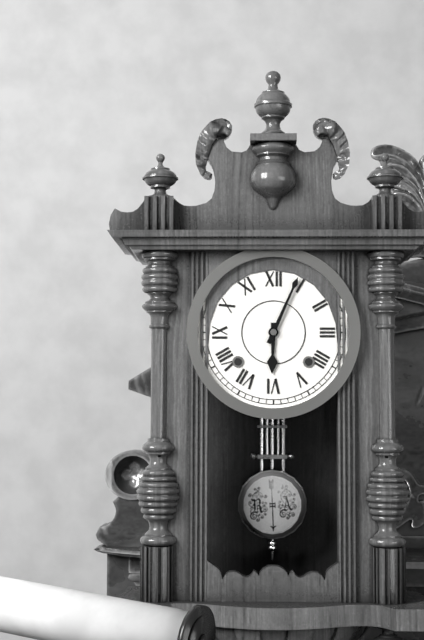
6 h 04 min
